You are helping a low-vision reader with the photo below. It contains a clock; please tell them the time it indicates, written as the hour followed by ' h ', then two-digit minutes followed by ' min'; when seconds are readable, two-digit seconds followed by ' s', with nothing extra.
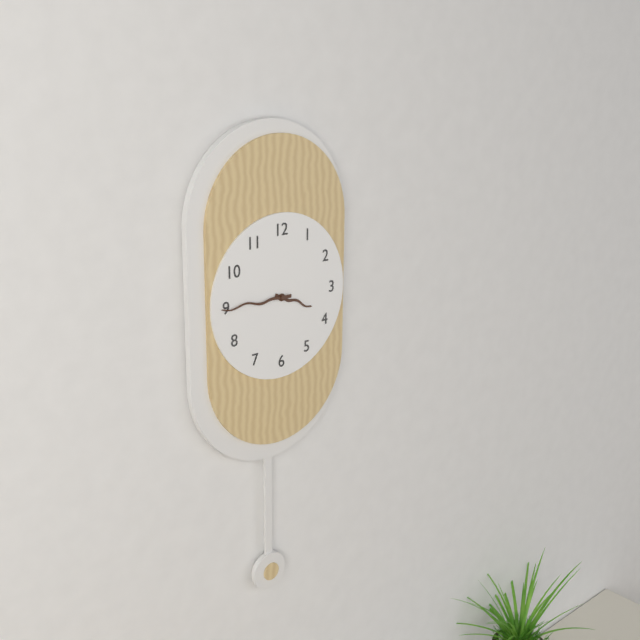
3 h 45 min
